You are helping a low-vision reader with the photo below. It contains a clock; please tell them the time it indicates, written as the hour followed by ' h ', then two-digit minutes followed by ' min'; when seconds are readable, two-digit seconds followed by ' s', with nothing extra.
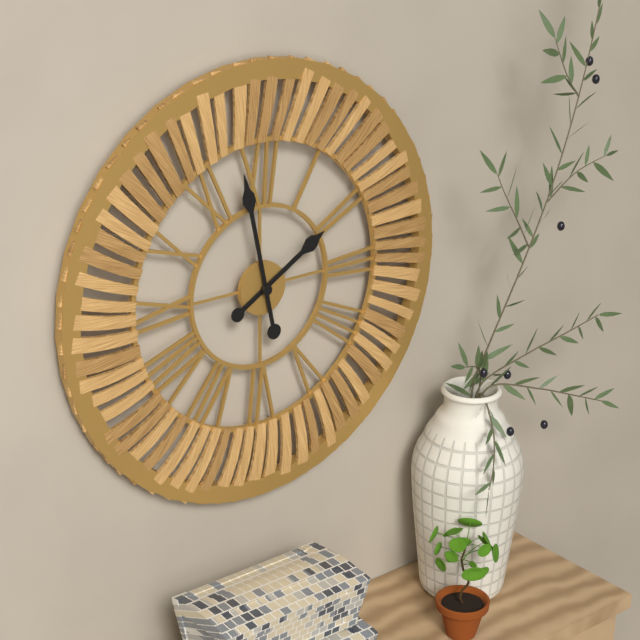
1 h 58 min
